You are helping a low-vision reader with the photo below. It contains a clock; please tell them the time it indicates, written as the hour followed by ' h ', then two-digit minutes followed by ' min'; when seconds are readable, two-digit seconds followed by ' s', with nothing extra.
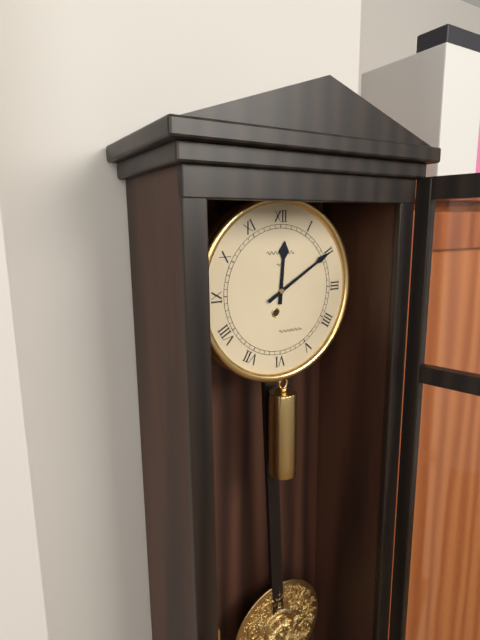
12 h 10 min
